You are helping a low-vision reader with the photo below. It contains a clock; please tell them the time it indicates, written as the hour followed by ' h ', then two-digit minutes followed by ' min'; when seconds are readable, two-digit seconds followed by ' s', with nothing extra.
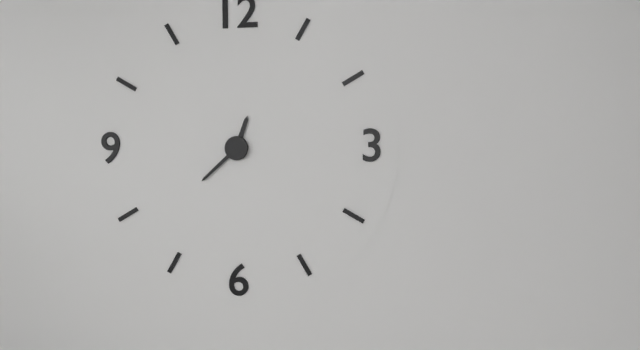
12 h 38 min
